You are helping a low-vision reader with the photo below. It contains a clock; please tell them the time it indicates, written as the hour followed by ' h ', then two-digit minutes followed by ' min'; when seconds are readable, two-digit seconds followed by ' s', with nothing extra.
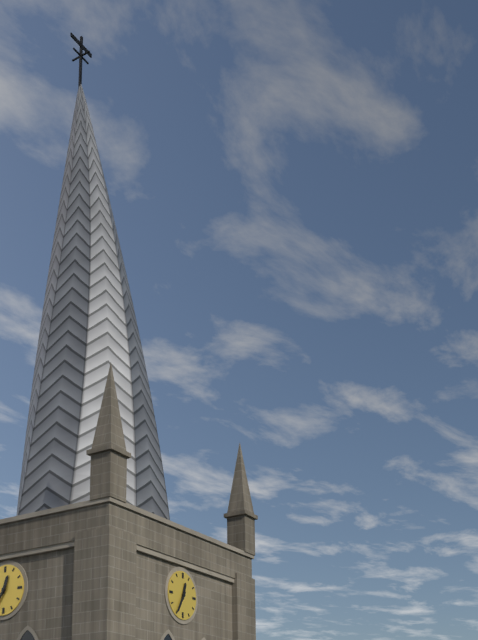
12 h 35 min
